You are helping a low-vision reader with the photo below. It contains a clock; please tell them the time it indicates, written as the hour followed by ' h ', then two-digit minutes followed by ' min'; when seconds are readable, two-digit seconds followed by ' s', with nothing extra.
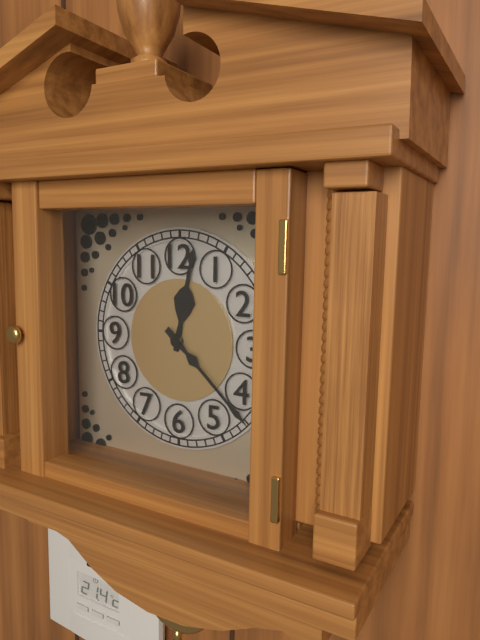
12 h 22 min
